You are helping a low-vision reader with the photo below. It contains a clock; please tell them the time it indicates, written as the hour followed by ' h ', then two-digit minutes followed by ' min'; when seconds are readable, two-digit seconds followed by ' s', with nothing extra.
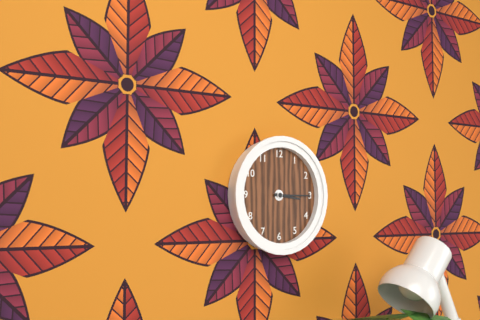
3 h 15 min
